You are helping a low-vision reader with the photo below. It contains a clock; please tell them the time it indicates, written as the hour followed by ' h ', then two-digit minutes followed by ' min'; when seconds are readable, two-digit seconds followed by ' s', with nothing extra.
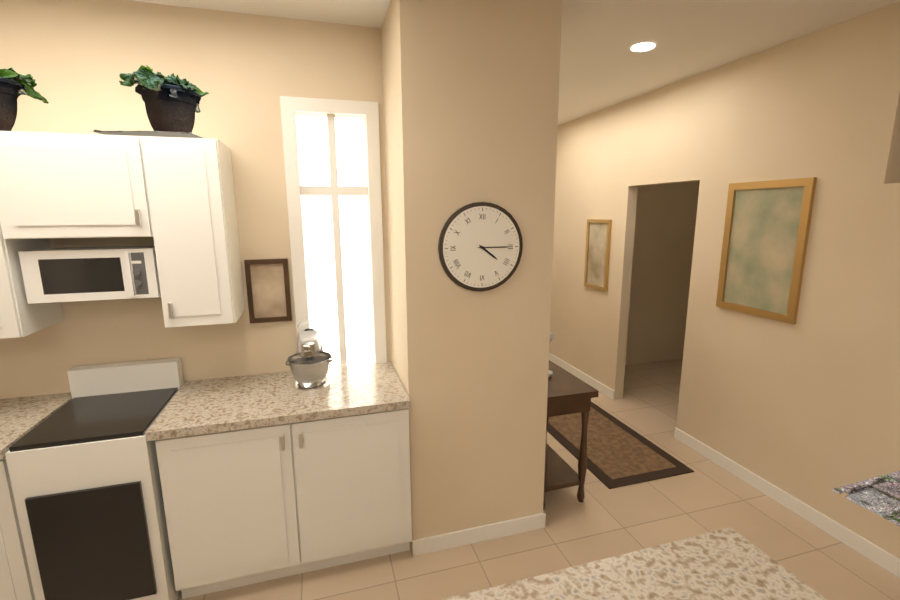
4 h 15 min
